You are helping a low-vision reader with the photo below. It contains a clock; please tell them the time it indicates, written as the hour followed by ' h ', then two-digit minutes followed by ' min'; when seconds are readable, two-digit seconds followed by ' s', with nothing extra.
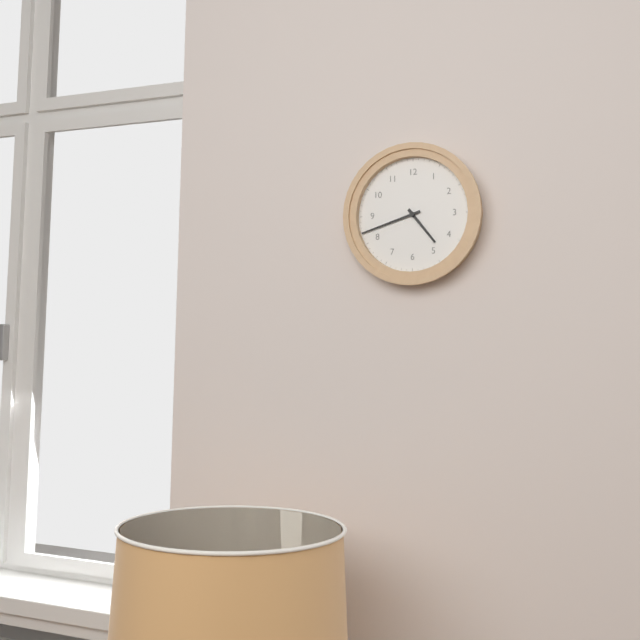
4 h 42 min
